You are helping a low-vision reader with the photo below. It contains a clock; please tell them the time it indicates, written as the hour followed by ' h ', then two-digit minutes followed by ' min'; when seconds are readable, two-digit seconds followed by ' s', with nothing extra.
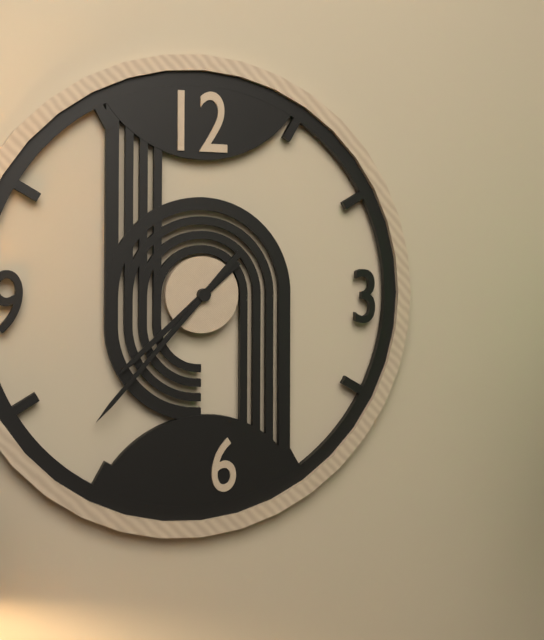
7 h 37 min
